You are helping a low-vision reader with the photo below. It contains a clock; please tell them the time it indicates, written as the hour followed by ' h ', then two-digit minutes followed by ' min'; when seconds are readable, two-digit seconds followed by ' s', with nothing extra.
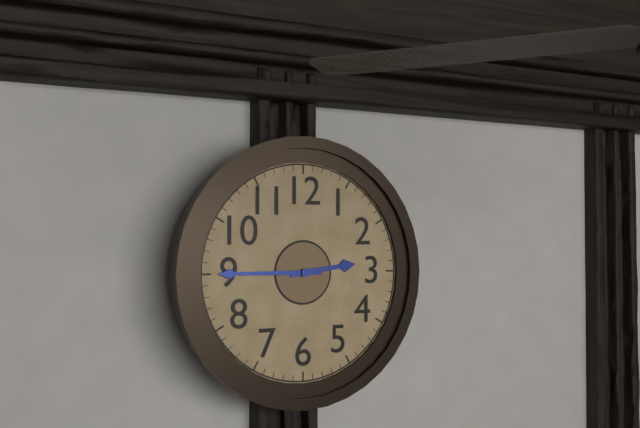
2 h 45 min
